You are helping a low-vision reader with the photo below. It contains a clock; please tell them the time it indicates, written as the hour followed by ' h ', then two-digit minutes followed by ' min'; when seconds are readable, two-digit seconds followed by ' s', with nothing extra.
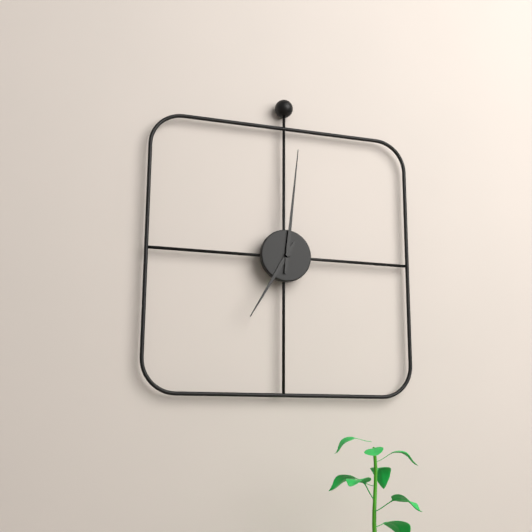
7 h 01 min
